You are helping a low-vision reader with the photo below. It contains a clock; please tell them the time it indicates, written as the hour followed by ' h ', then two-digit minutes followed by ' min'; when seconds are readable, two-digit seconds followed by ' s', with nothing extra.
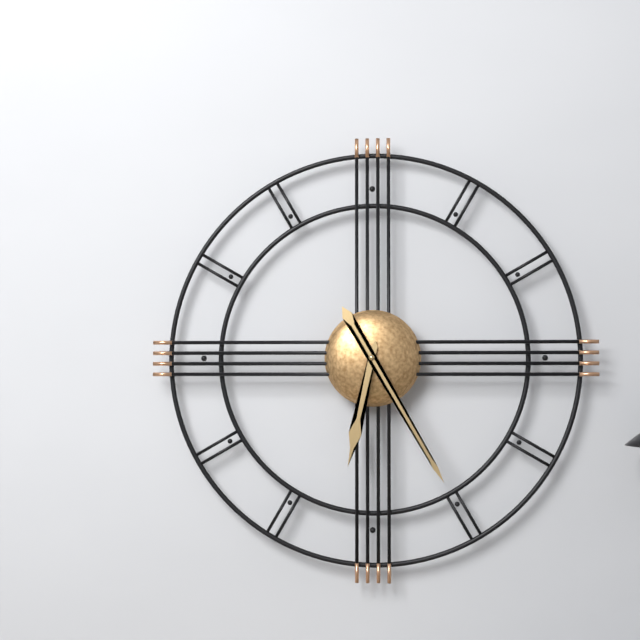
6 h 25 min
